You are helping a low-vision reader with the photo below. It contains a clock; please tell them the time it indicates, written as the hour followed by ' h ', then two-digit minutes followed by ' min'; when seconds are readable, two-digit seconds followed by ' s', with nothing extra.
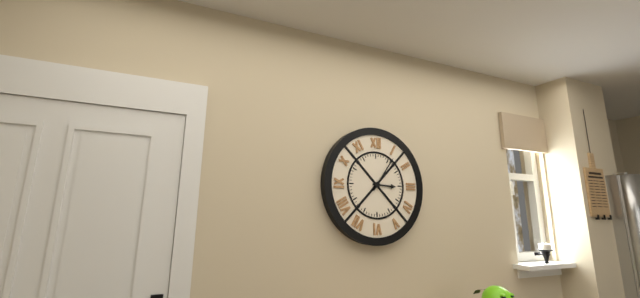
3 h 06 min
